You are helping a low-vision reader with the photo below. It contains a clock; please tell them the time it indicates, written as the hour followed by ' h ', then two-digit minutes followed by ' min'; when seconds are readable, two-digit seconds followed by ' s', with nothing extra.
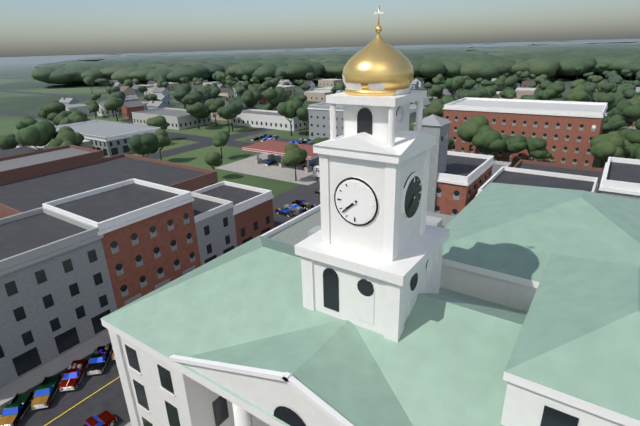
7 h 38 min
